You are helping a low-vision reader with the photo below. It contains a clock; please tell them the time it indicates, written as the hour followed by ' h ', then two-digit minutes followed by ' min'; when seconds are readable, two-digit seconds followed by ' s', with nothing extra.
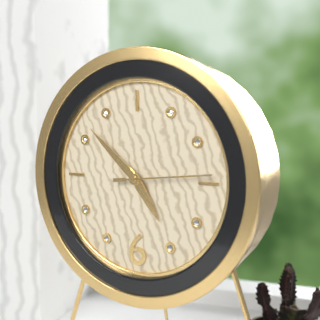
4 h 52 min 14 s
